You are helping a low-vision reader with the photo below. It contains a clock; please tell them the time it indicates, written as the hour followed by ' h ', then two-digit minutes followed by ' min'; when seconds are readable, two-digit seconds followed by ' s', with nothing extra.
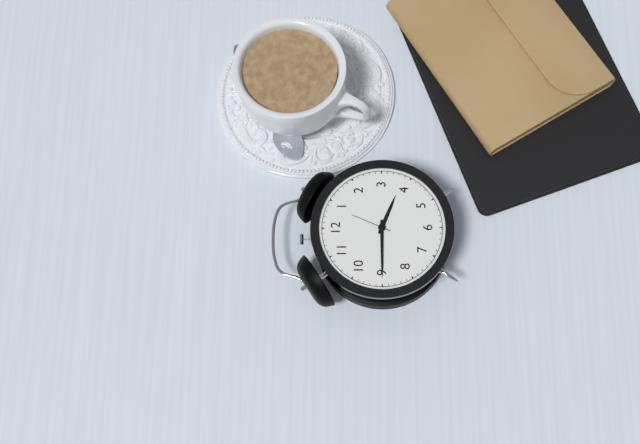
3 h 45 min
